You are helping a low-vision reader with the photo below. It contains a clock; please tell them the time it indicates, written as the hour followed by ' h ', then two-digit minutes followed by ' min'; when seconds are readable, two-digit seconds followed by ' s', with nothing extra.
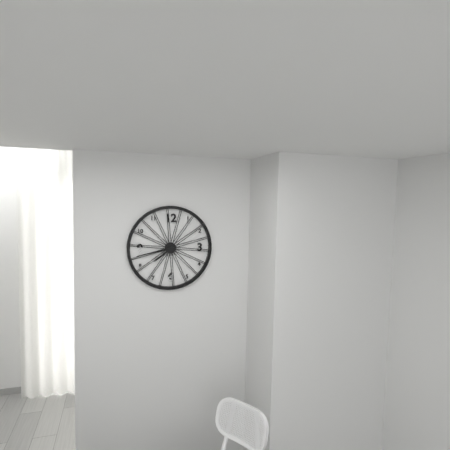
7 h 43 min
